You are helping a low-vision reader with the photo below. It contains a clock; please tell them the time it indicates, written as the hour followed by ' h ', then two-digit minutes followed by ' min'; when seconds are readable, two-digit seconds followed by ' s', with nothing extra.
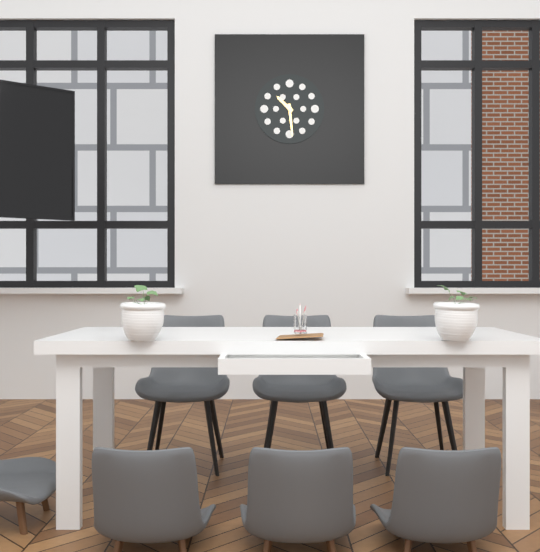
10 h 29 min
